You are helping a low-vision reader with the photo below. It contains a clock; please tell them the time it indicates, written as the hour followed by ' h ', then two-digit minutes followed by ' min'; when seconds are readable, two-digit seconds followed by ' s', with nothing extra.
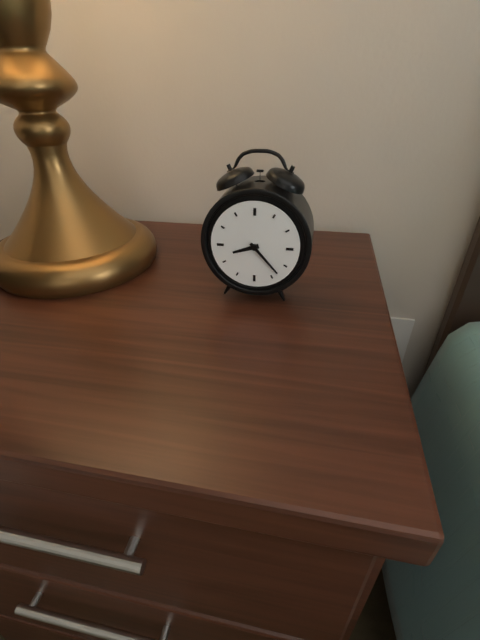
8 h 23 min
